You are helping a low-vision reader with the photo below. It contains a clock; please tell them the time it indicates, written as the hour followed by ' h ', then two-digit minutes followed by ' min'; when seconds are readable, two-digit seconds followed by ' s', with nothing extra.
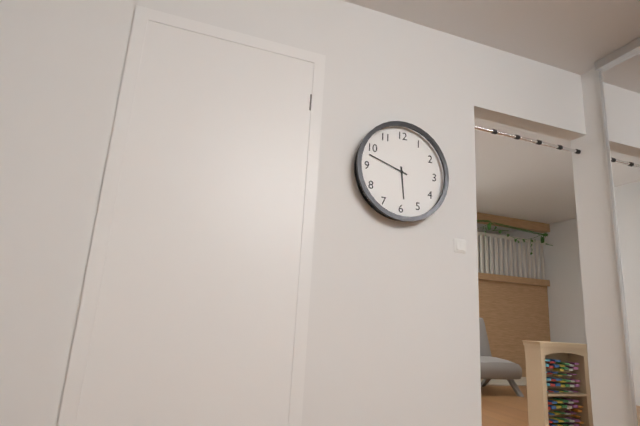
5 h 48 min
